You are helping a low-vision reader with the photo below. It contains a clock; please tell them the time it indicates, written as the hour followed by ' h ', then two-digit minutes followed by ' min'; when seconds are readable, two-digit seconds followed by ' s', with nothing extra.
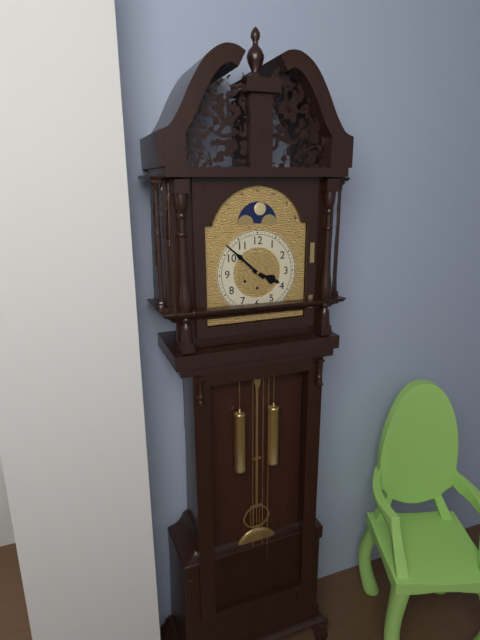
3 h 52 min
